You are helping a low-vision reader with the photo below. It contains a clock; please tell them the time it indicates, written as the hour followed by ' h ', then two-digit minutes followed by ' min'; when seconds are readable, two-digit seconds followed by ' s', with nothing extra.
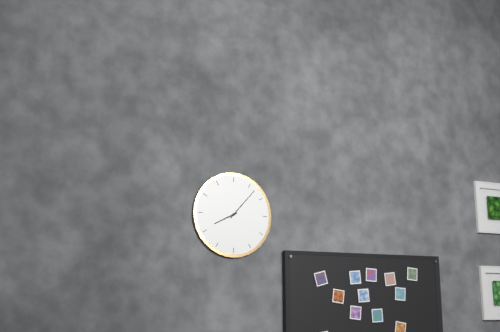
8 h 07 min
